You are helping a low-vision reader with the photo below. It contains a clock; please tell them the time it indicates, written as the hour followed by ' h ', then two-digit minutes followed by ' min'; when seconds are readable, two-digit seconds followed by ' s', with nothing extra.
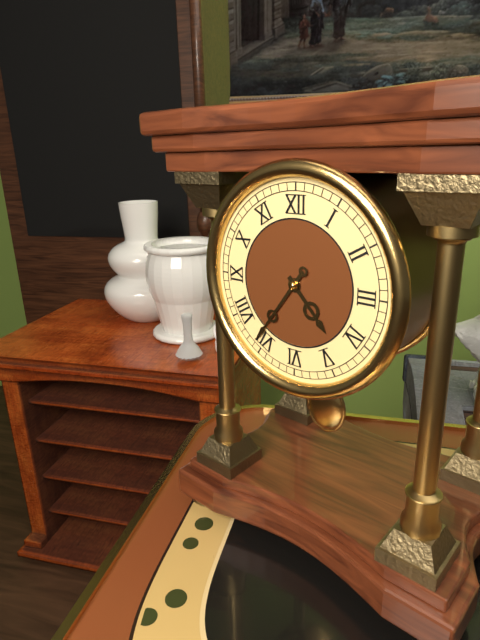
4 h 36 min
